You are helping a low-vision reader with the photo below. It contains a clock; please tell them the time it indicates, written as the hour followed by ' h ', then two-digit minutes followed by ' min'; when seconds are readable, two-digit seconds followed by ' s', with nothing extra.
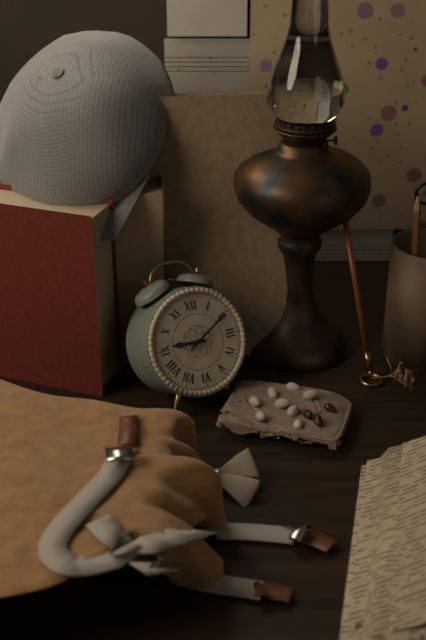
9 h 10 min
